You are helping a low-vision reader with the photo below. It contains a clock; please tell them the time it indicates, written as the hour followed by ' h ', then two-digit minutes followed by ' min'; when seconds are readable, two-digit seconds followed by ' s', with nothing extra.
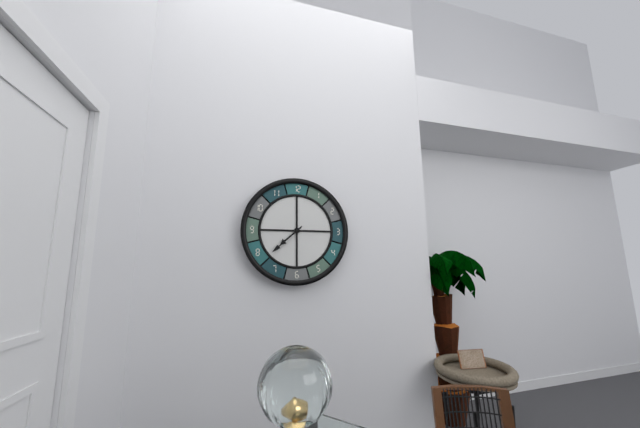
7 h 38 min
